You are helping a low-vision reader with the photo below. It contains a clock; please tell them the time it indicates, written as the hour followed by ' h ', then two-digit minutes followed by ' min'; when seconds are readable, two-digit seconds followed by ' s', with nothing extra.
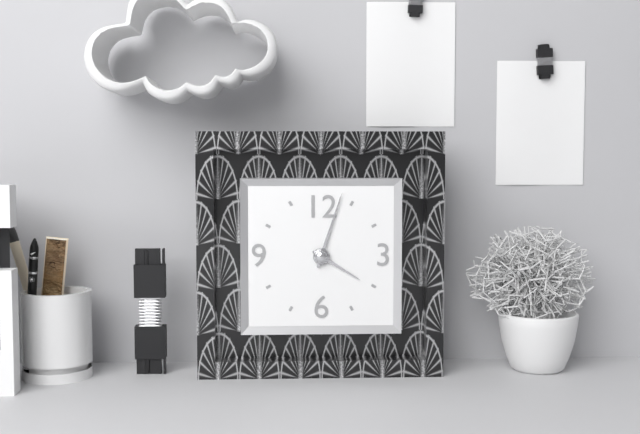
4 h 03 min
